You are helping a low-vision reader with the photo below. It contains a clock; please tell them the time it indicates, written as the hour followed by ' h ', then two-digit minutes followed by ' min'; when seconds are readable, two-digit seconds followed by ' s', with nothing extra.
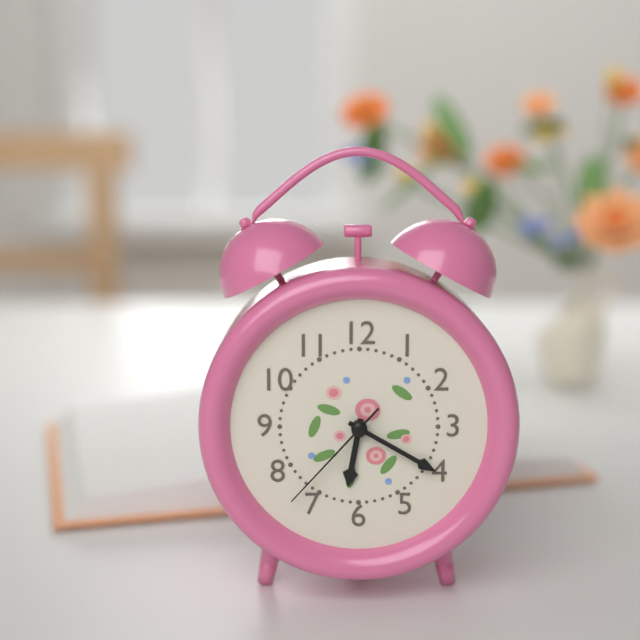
6 h 20 min 37 s
